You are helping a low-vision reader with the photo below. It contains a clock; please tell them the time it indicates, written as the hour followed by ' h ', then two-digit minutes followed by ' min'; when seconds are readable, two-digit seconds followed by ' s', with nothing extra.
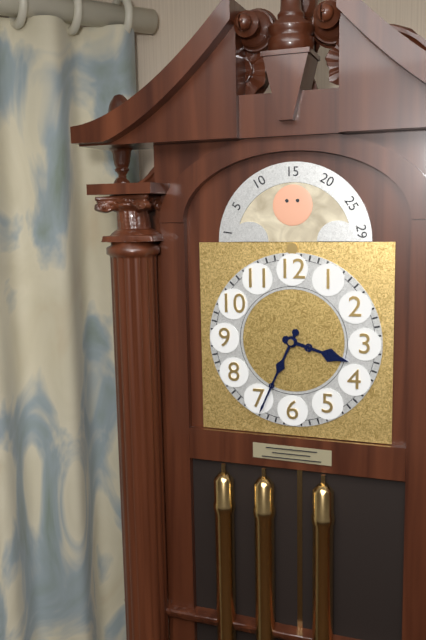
3 h 34 min
